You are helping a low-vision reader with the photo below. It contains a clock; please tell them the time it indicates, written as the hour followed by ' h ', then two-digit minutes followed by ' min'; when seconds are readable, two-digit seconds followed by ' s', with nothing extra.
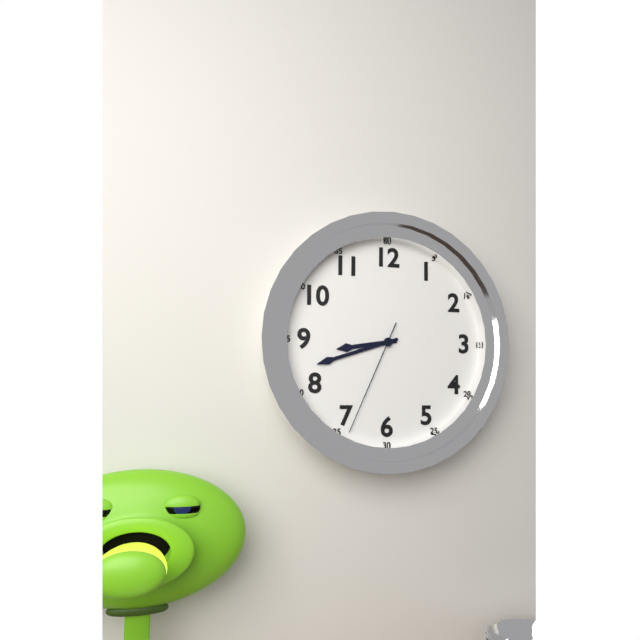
8 h 42 min 34 s
